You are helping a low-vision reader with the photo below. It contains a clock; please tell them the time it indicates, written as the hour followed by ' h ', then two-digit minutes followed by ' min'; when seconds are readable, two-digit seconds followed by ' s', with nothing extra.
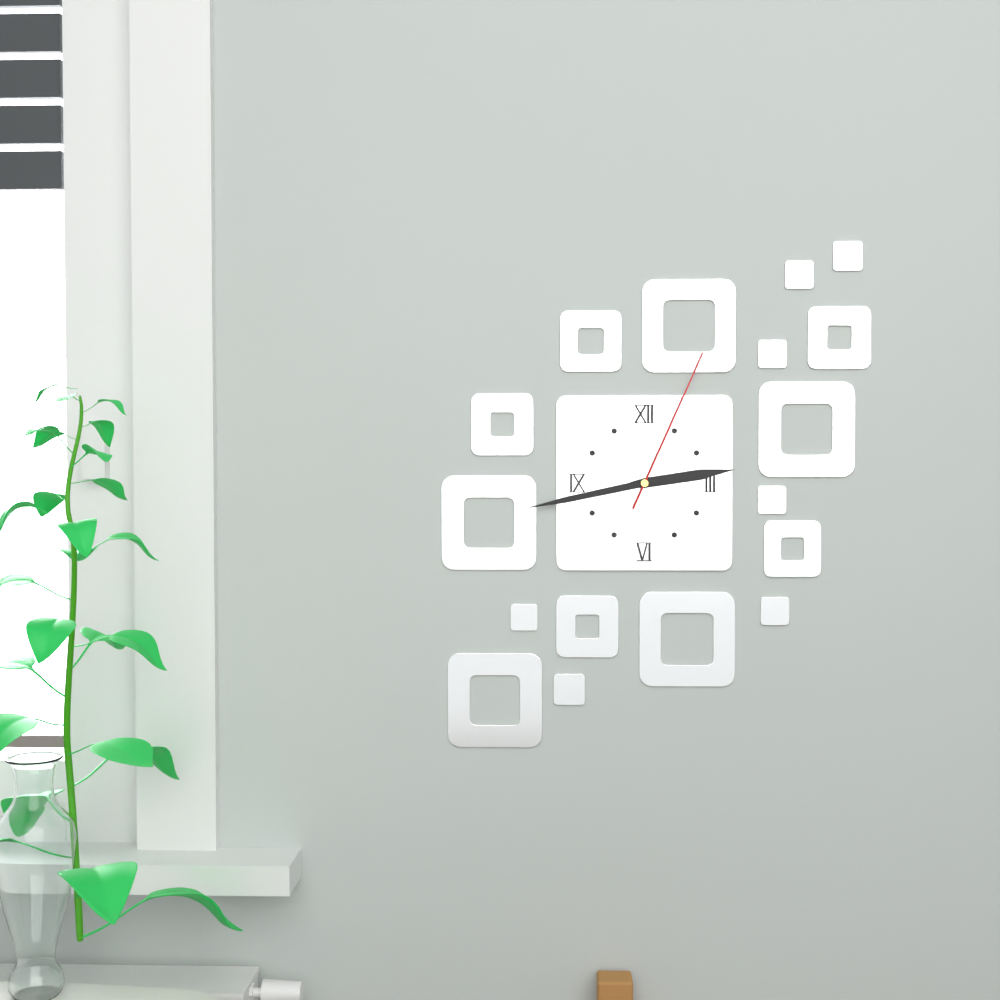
2 h 43 min 04 s
